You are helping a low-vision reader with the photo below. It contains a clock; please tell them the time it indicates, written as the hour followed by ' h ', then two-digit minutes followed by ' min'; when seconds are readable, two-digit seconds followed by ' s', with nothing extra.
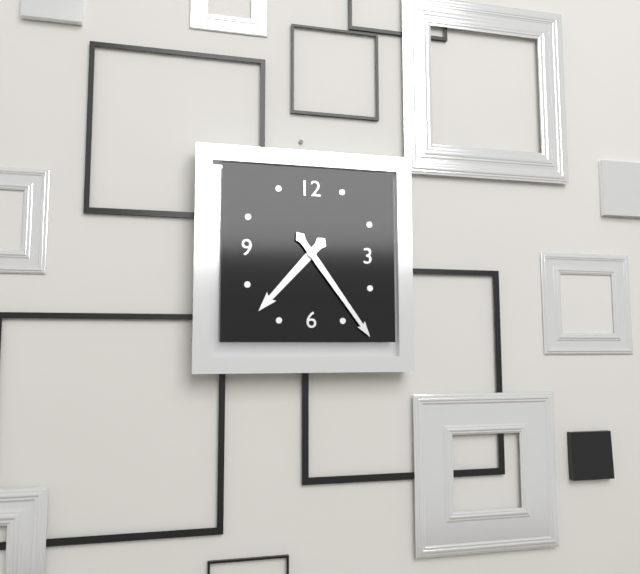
7 h 24 min
